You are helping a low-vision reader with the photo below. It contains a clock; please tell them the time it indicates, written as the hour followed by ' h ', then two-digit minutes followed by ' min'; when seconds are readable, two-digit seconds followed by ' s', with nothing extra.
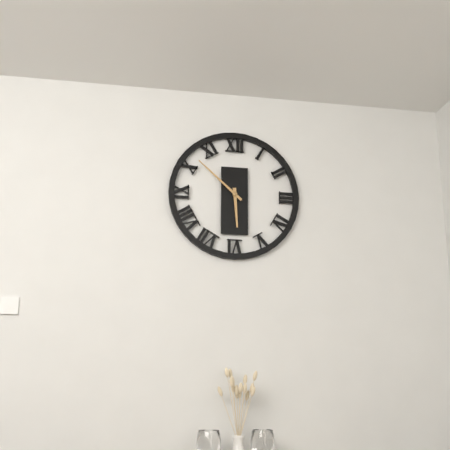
5 h 52 min
